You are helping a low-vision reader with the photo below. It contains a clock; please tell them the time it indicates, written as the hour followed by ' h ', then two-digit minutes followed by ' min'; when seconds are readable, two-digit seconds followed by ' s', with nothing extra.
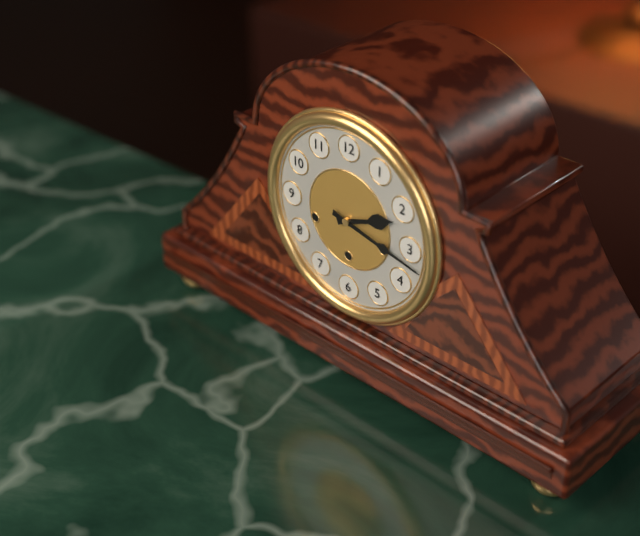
2 h 17 min
